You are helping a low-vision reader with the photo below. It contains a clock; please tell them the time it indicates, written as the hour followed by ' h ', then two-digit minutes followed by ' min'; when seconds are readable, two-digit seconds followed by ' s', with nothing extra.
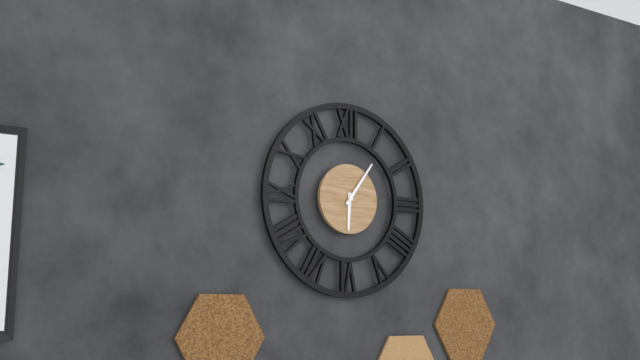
6 h 06 min
